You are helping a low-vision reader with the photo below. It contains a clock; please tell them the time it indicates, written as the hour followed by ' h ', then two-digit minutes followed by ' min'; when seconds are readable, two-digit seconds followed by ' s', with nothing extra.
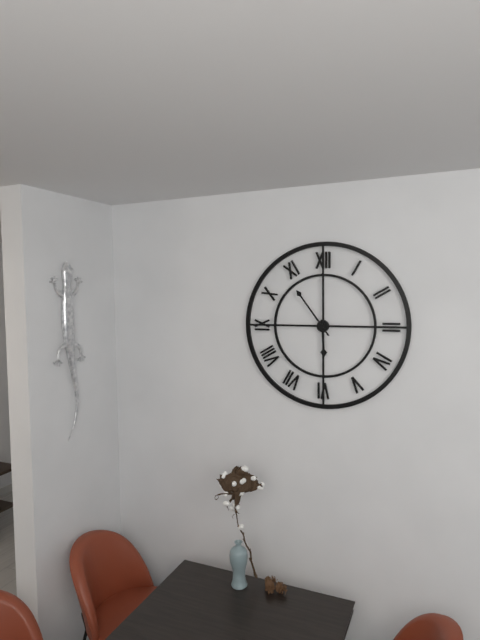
5 h 54 min
